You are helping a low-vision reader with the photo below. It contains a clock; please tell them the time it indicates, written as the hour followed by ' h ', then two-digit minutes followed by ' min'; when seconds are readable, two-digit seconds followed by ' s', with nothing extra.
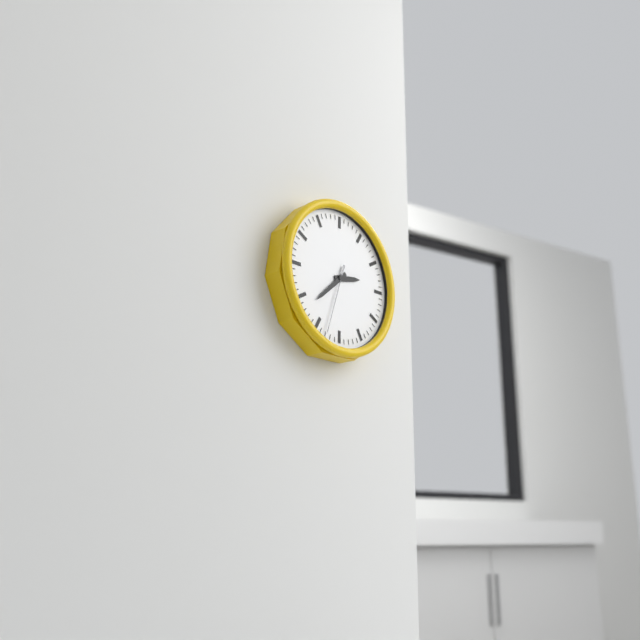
2 h 38 min 33 s
